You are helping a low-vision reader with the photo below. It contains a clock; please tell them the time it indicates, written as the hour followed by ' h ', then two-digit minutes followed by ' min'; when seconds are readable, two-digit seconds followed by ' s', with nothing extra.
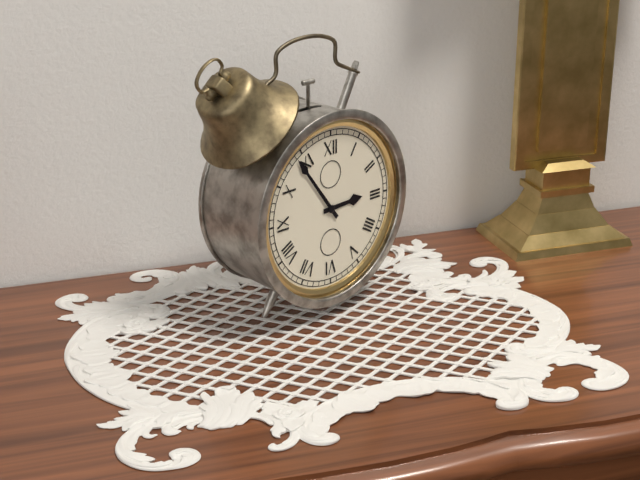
2 h 54 min
